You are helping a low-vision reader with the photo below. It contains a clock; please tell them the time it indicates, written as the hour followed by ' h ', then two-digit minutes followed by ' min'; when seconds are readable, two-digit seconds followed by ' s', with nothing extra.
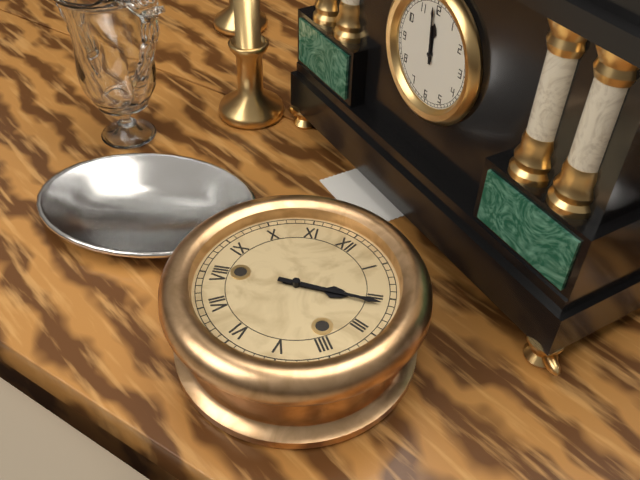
2 h 11 min
